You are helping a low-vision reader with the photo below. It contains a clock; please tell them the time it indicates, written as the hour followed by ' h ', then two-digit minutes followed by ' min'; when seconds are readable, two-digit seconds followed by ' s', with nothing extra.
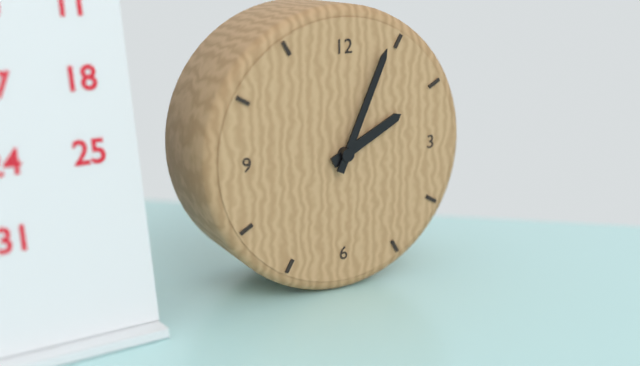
2 h 04 min
